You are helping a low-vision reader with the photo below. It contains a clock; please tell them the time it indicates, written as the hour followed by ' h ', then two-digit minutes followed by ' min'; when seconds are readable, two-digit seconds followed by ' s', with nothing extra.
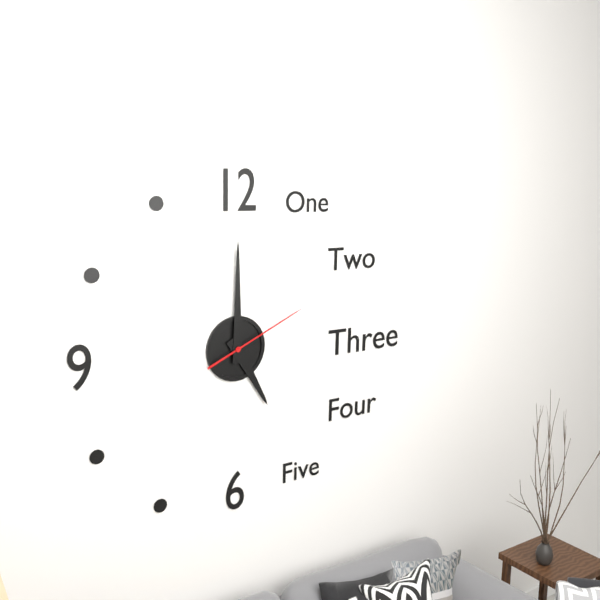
5 h 00 min 11 s
